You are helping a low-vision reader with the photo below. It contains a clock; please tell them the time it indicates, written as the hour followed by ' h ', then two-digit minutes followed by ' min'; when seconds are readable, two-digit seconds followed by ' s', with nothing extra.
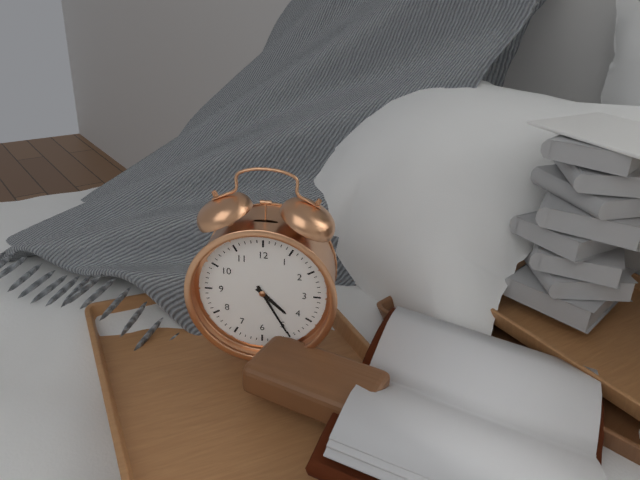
4 h 25 min
